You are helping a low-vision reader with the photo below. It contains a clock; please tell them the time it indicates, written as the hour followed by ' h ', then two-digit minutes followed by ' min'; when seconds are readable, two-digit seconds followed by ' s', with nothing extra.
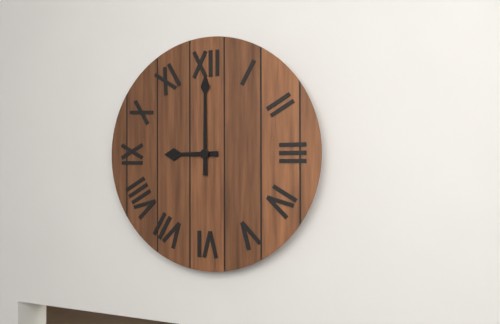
9 h 00 min
